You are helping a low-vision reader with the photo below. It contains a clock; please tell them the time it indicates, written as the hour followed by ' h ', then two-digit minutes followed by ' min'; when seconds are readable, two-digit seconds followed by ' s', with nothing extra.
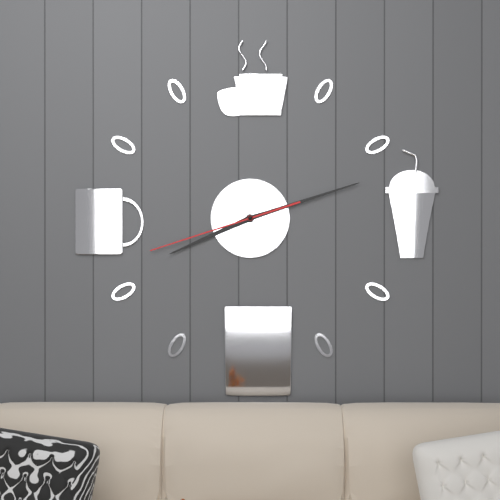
8 h 12 min 42 s
